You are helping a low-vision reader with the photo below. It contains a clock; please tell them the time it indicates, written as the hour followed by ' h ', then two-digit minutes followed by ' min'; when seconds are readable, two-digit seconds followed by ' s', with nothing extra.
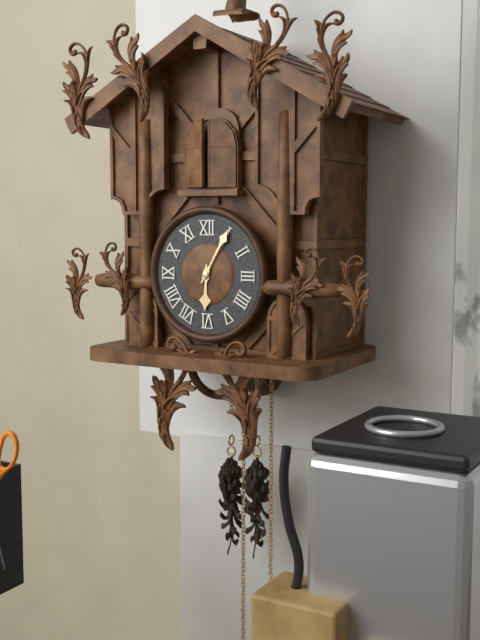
6 h 05 min
